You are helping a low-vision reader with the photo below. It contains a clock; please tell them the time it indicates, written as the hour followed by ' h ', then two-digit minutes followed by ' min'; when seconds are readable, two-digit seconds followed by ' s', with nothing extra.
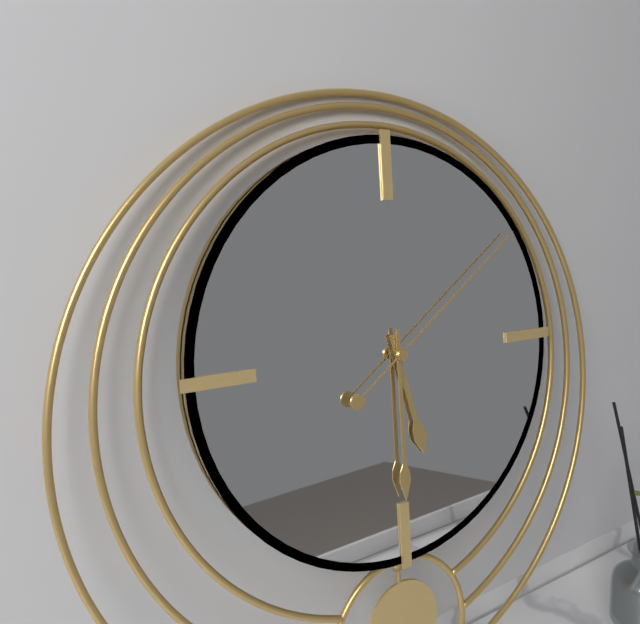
5 h 30 min 09 s
